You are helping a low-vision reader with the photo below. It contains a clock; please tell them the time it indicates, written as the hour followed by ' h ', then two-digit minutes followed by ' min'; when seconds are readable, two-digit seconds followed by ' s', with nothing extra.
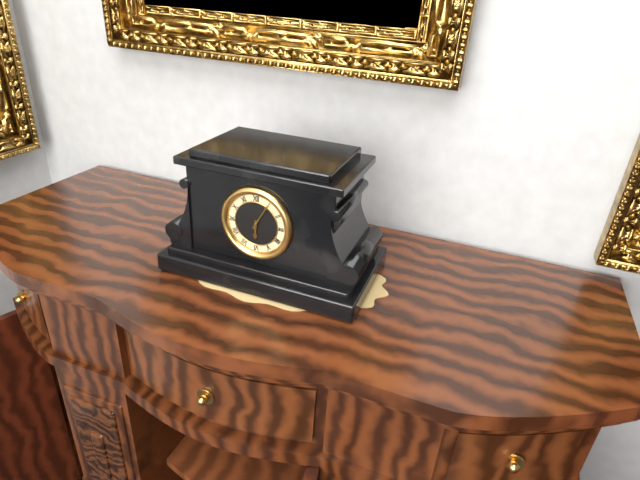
6 h 05 min
